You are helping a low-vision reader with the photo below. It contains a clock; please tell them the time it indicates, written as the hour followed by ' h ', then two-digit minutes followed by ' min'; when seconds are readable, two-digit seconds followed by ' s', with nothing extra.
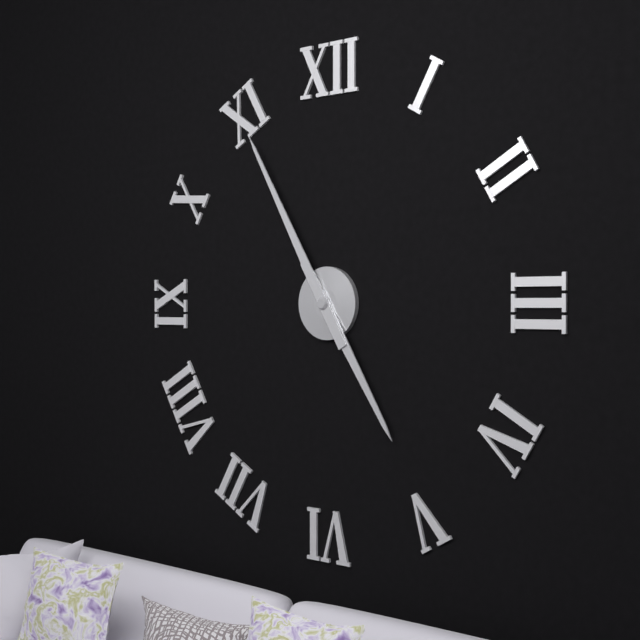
4 h 55 min
